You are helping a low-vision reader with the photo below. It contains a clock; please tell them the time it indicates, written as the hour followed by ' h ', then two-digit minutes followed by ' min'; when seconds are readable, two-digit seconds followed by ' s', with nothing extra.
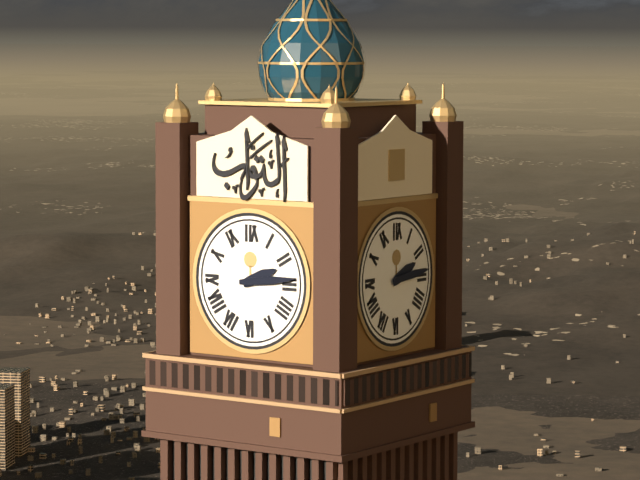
2 h 14 min
